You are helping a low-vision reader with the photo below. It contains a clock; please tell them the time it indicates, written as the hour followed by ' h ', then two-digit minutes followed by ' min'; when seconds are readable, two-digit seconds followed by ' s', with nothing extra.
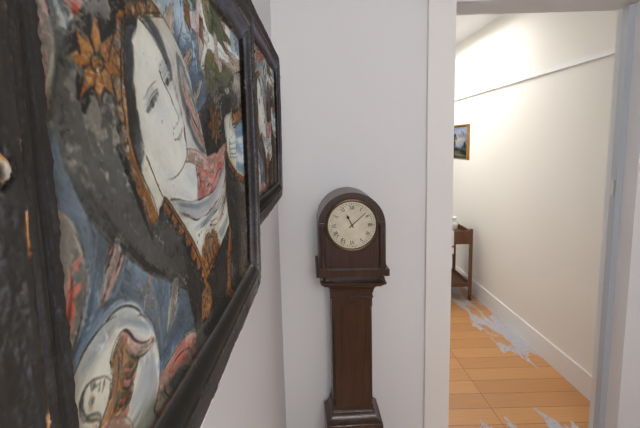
11 h 08 min
